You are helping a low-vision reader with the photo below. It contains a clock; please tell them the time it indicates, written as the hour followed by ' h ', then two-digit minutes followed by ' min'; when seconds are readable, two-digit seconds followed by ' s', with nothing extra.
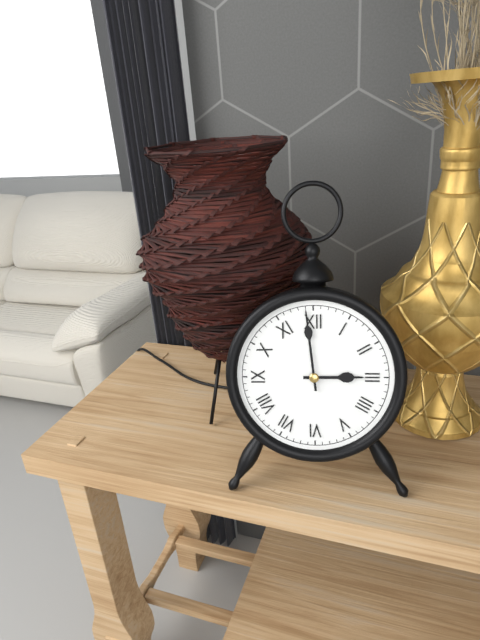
2 h 59 min
